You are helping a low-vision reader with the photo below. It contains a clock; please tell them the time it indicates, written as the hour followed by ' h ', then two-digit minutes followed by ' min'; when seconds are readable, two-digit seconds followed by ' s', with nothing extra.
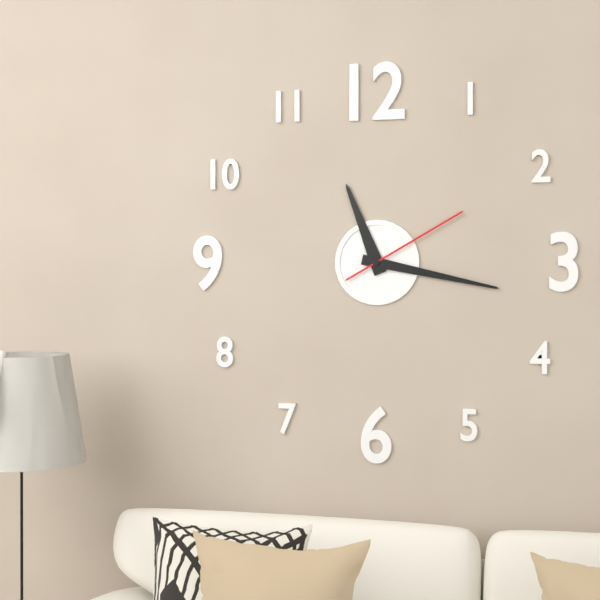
11 h 17 min 10 s
